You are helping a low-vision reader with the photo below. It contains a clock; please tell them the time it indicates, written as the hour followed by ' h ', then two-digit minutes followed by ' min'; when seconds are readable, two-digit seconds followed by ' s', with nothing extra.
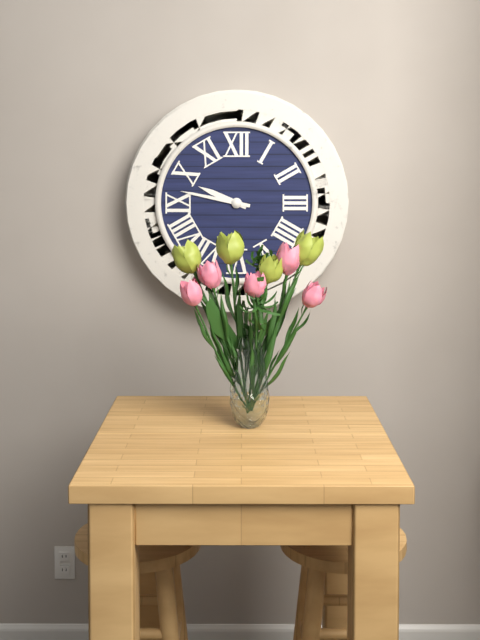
9 h 47 min
